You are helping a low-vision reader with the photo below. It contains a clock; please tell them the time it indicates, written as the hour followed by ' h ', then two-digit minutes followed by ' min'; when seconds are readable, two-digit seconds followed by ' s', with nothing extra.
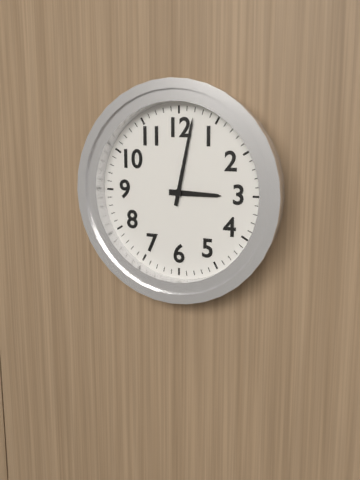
3 h 02 min
